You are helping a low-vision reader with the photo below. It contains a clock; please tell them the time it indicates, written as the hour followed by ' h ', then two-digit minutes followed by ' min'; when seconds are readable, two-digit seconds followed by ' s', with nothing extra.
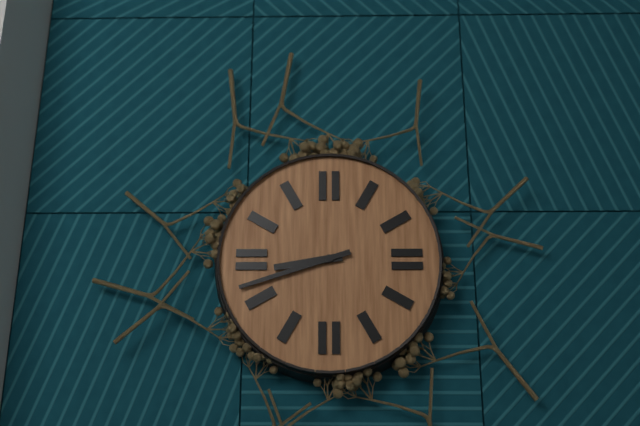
8 h 42 min
